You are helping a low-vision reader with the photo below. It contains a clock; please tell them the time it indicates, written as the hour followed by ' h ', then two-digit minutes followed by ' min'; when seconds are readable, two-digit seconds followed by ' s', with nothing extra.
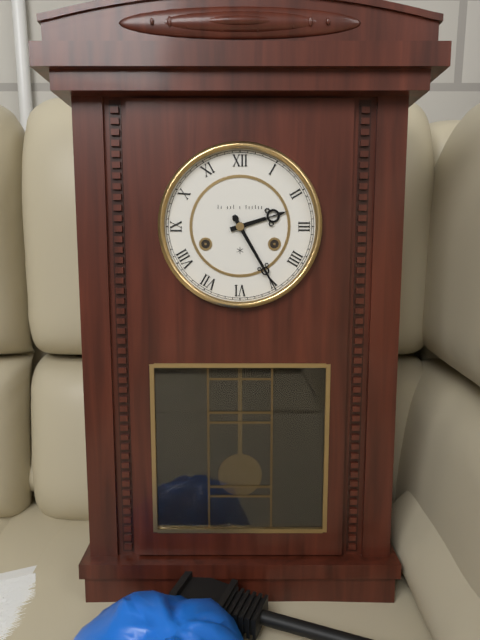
2 h 25 min
